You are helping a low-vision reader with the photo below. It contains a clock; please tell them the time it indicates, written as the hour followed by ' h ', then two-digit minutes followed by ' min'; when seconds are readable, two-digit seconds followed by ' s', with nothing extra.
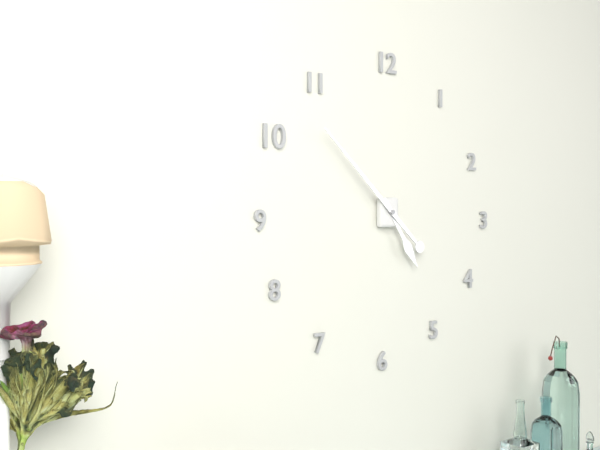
4 h 52 min
